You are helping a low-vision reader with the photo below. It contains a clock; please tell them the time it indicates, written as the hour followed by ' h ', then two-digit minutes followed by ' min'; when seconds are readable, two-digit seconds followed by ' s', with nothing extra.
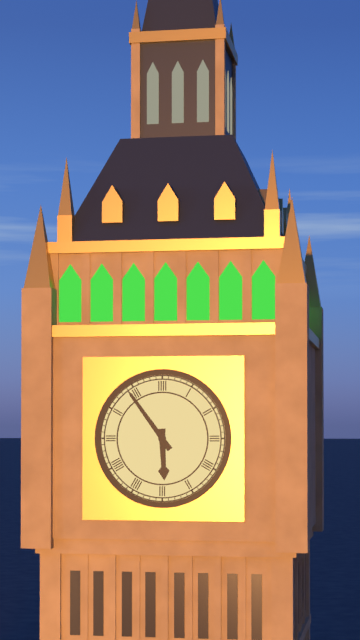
5 h 54 min
